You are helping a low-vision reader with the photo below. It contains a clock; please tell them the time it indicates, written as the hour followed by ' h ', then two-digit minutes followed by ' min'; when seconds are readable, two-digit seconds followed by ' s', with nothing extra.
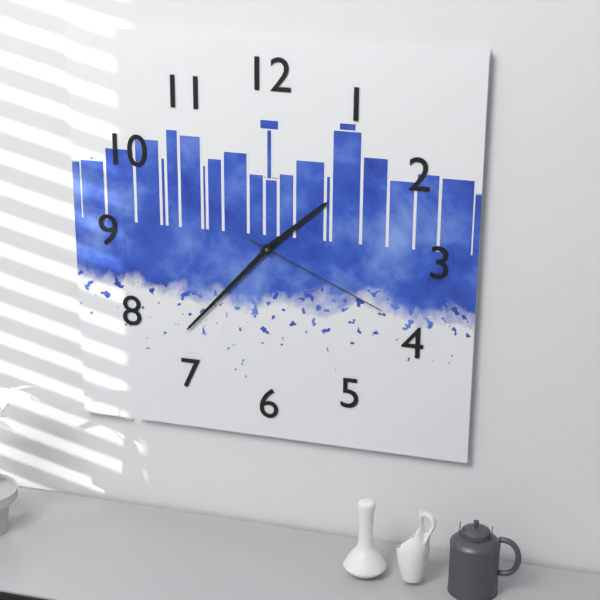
1 h 37 min 19 s
